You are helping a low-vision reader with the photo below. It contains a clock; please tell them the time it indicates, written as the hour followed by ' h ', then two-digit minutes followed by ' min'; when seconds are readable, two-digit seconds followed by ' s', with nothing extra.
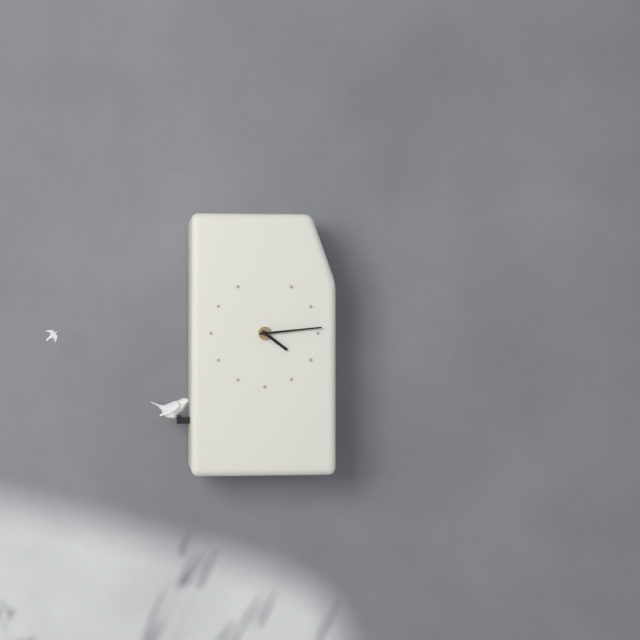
4 h 14 min
